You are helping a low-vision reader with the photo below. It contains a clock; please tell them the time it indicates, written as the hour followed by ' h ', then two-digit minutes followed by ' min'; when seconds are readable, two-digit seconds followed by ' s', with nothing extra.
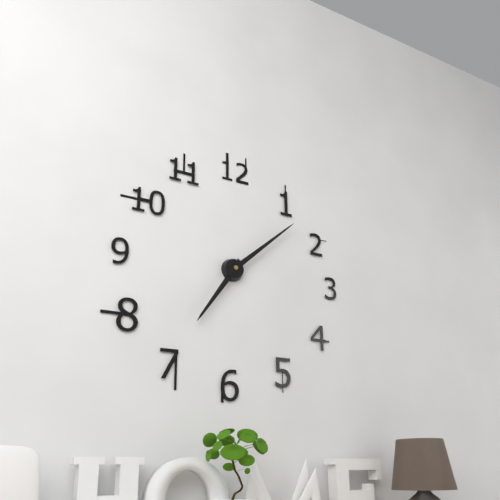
7 h 08 min
